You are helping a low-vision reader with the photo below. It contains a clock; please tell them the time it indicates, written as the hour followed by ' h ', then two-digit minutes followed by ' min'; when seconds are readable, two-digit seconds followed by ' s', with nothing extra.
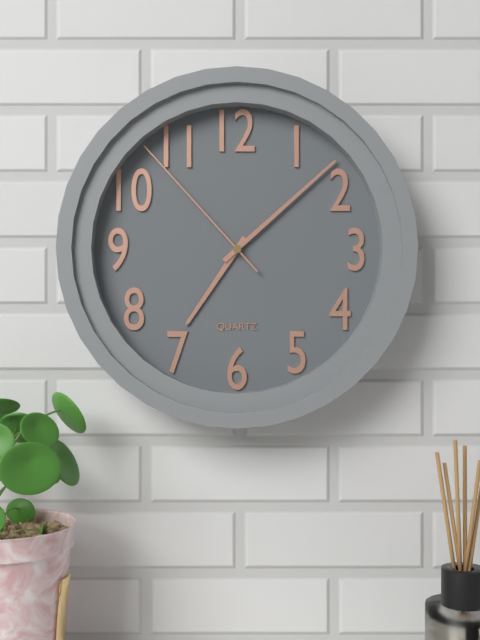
7 h 08 min 53 s
